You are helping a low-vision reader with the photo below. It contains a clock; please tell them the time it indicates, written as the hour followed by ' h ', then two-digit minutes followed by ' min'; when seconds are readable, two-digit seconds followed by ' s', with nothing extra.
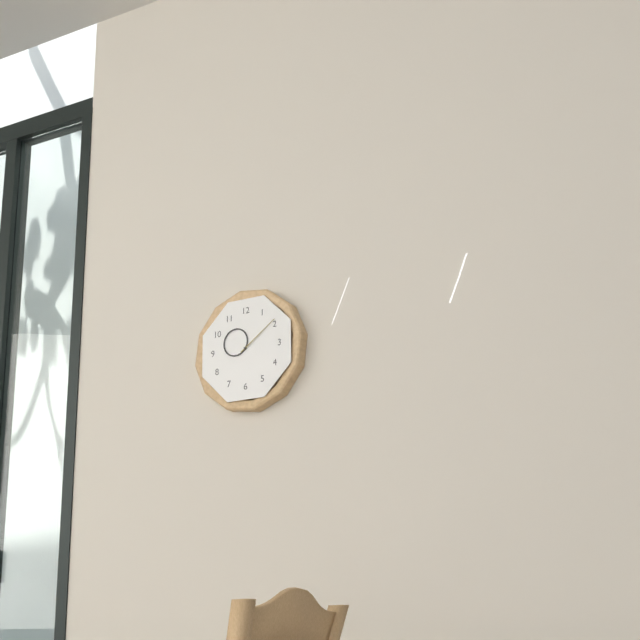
10 h 09 min
